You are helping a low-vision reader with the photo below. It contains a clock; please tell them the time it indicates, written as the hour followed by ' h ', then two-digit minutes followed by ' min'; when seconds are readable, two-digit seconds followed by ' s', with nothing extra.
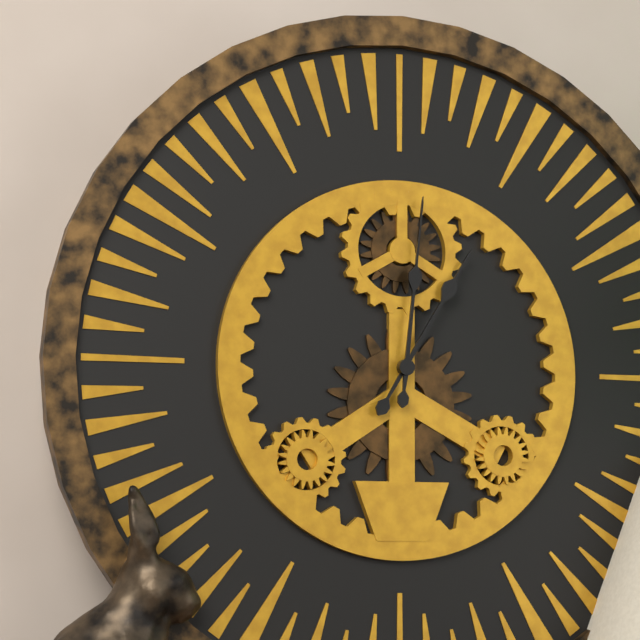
1 h 01 min
